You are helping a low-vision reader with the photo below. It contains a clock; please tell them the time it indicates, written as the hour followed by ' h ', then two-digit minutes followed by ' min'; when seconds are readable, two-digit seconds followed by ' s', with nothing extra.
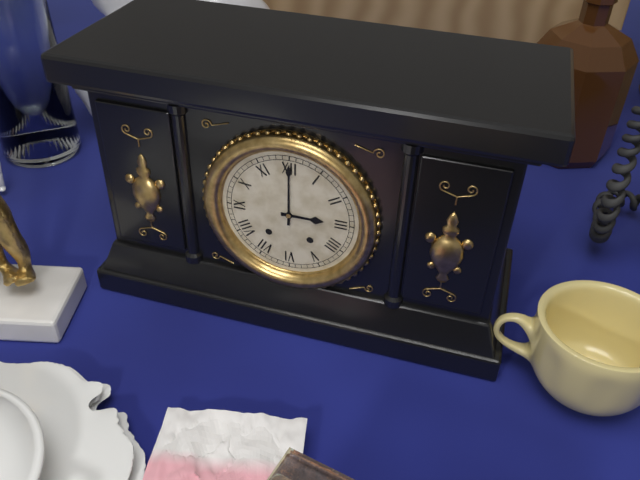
3 h 00 min
